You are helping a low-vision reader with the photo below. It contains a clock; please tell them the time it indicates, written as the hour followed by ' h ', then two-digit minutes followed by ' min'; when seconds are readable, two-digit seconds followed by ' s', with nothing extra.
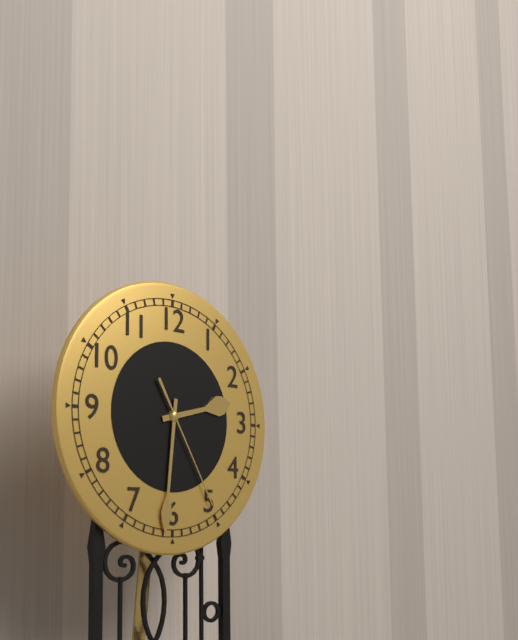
2 h 31 min 25 s
